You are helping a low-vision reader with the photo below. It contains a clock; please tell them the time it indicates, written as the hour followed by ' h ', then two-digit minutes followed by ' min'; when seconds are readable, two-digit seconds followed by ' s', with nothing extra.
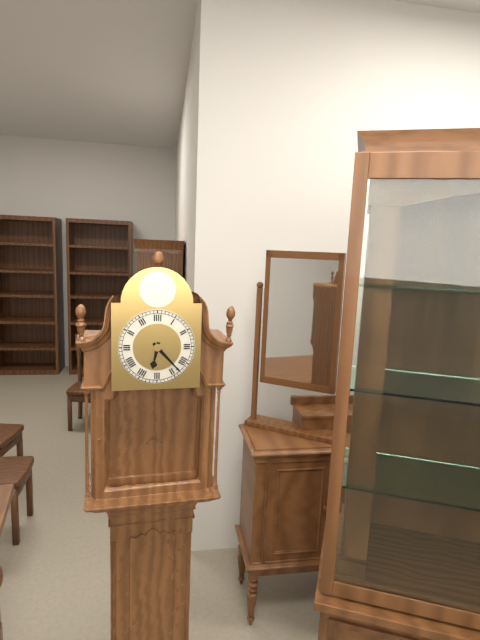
6 h 23 min
